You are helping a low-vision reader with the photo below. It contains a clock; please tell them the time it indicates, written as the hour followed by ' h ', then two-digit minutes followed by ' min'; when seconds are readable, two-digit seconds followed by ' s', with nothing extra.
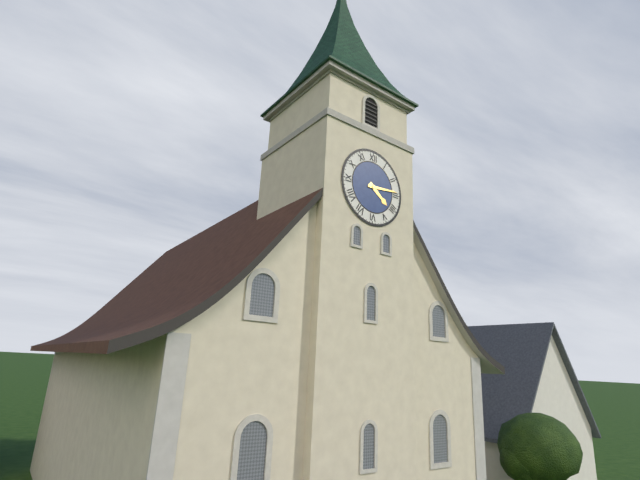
4 h 14 min
